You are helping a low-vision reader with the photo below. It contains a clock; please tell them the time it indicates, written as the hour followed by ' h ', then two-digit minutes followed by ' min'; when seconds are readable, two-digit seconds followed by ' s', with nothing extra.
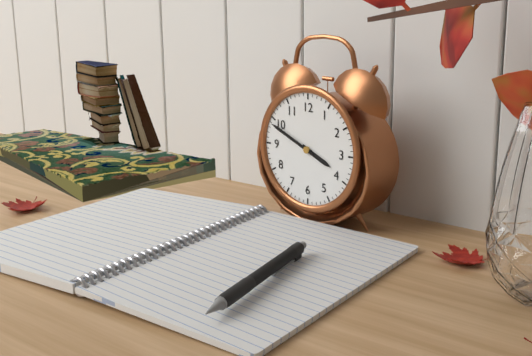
3 h 49 min
